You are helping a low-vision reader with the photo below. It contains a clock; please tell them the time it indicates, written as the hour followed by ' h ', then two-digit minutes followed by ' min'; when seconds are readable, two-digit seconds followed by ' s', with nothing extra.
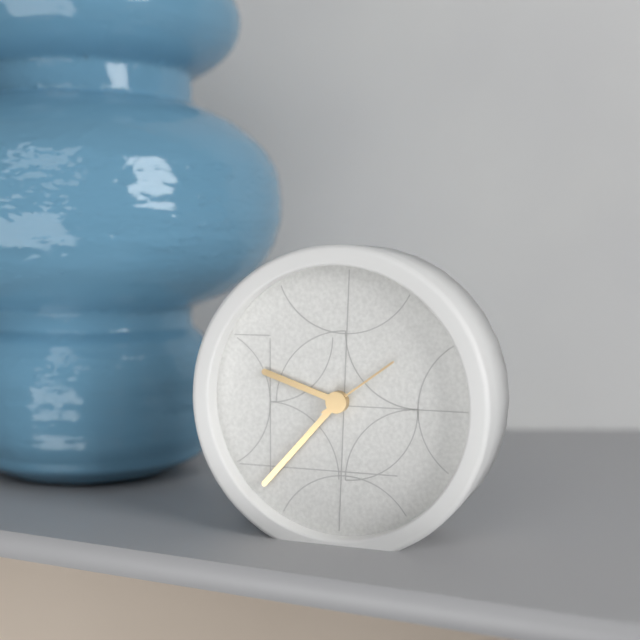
9 h 37 min 09 s
